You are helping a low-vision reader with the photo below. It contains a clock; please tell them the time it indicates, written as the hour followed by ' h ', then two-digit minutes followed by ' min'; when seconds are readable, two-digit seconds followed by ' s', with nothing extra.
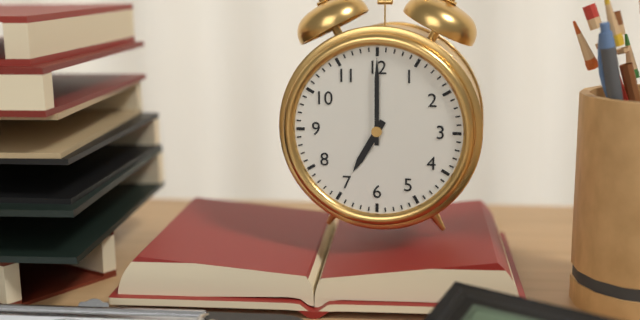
7 h 00 min
